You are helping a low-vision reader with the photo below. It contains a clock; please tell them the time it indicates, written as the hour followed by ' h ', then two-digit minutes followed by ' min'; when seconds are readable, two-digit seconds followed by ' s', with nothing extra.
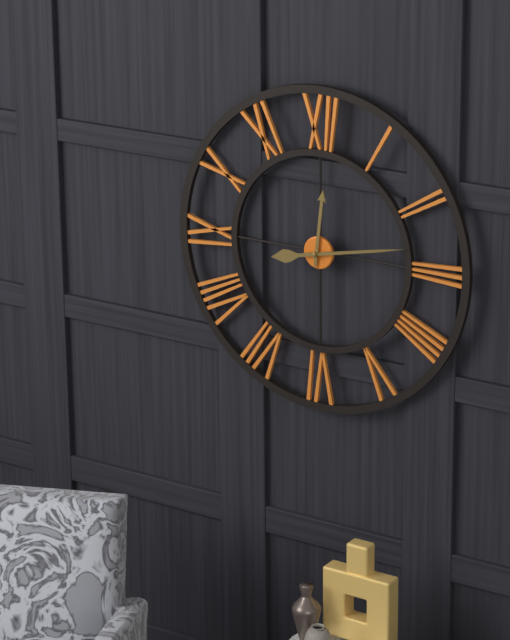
12 h 13 min
